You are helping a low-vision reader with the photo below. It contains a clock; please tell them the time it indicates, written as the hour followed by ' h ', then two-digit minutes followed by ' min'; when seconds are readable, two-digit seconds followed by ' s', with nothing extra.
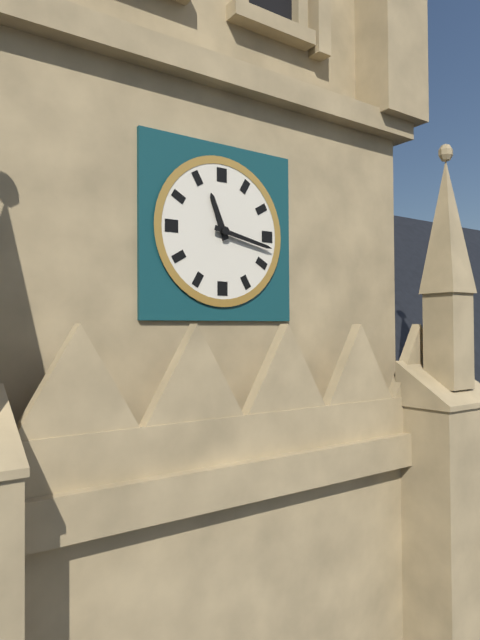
11 h 17 min
